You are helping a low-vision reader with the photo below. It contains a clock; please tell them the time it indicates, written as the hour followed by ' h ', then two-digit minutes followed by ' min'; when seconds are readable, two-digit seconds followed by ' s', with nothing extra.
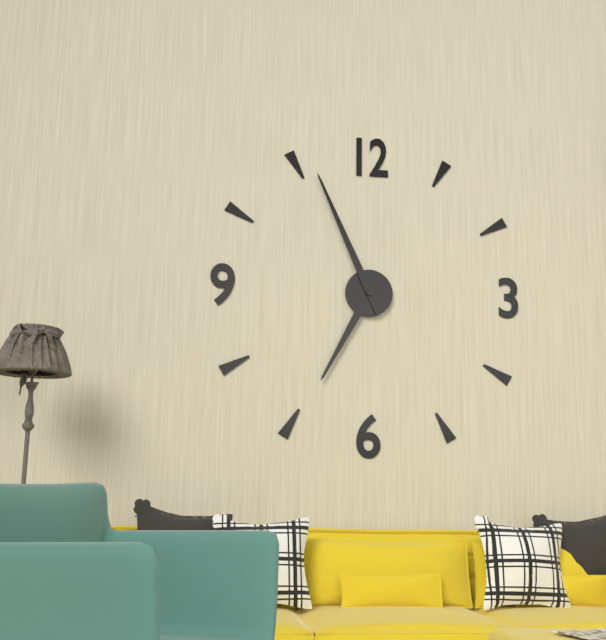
6 h 56 min
